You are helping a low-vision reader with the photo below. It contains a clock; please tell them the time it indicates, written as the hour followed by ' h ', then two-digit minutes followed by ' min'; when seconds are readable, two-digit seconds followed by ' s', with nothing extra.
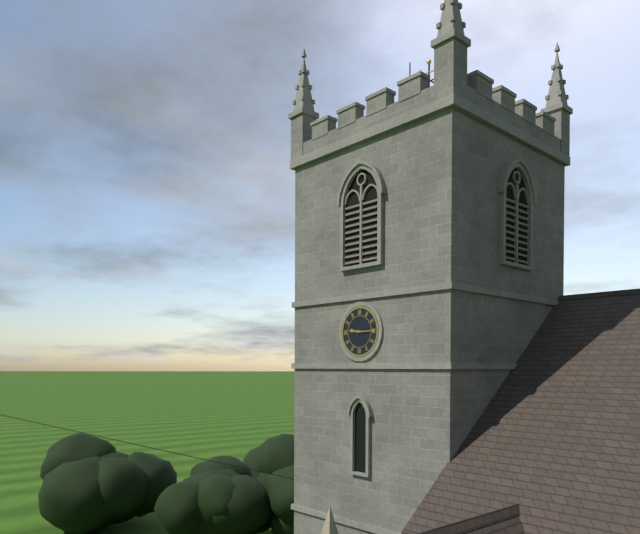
9 h 15 min
